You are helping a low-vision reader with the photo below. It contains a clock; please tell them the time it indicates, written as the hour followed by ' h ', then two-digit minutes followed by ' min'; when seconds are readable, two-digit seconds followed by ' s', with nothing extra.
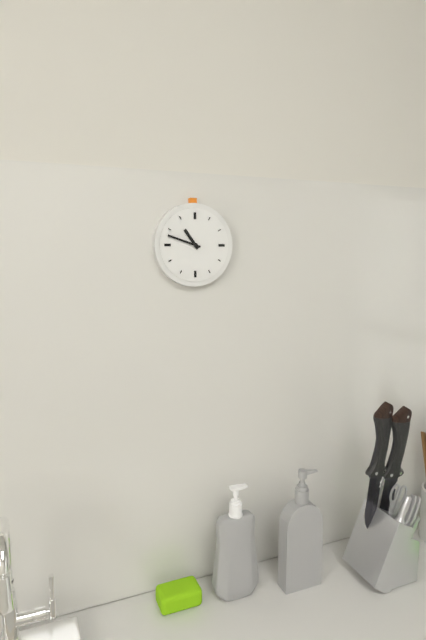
10 h 48 min
